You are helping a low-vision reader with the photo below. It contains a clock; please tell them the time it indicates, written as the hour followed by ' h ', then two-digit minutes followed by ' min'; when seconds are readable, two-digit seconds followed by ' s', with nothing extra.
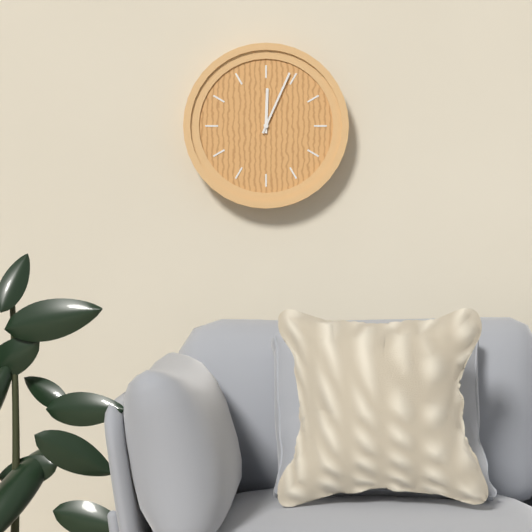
12 h 04 min
